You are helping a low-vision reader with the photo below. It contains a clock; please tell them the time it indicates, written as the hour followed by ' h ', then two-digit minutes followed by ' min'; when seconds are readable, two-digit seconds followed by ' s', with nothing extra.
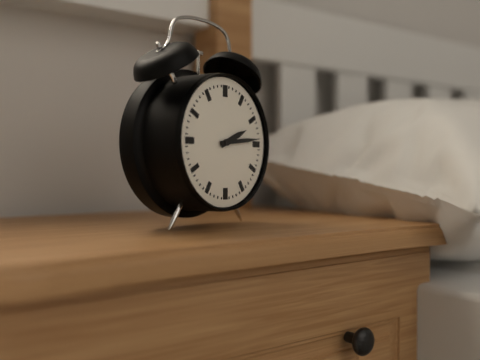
2 h 14 min
